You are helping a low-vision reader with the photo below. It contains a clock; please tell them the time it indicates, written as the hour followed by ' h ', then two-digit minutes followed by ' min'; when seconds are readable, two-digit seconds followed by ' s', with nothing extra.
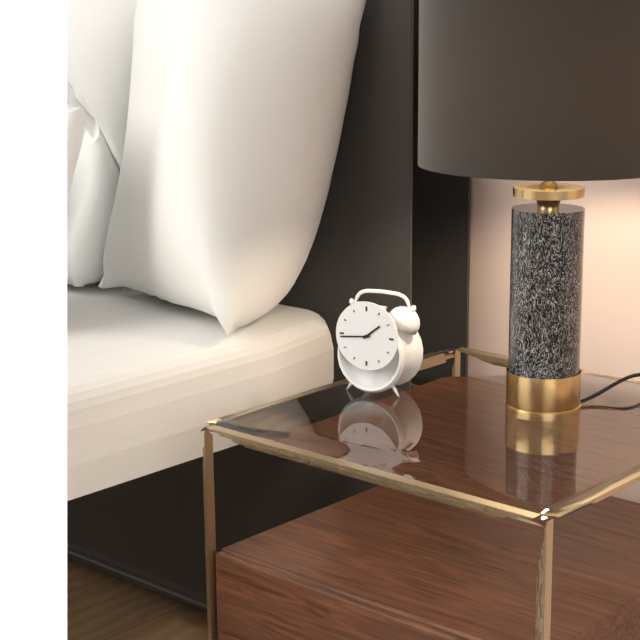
1 h 44 min
